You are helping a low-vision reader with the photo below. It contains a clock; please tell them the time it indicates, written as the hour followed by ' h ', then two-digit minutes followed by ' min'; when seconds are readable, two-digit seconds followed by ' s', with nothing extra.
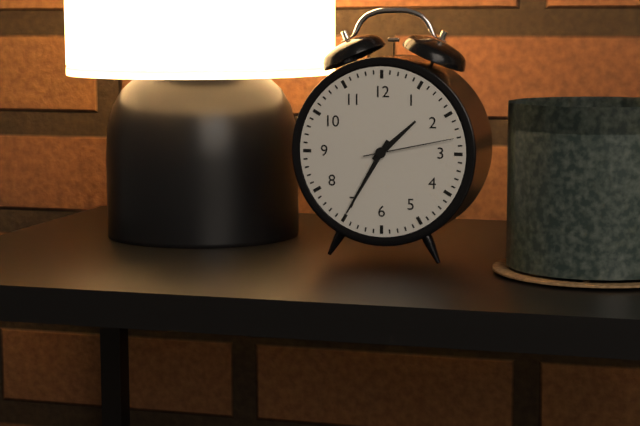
1 h 35 min 13 s
